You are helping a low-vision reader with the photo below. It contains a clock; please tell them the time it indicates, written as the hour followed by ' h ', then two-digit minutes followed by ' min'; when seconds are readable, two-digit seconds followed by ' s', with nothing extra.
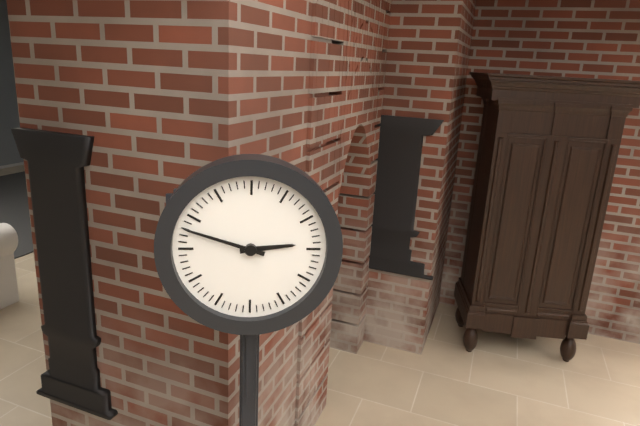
2 h 48 min
